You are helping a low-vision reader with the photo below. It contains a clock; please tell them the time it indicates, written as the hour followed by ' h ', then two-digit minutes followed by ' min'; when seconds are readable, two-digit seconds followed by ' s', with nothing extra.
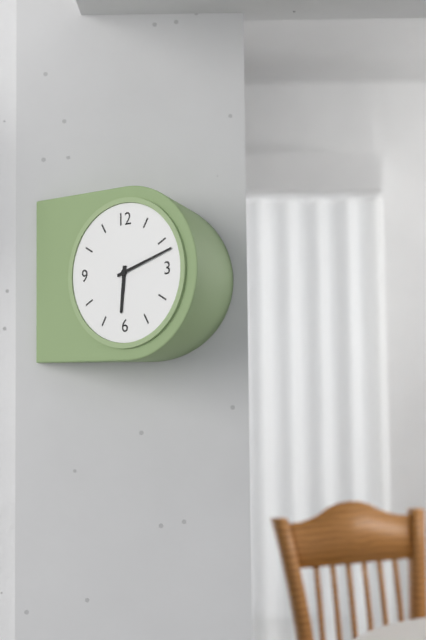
6 h 12 min
